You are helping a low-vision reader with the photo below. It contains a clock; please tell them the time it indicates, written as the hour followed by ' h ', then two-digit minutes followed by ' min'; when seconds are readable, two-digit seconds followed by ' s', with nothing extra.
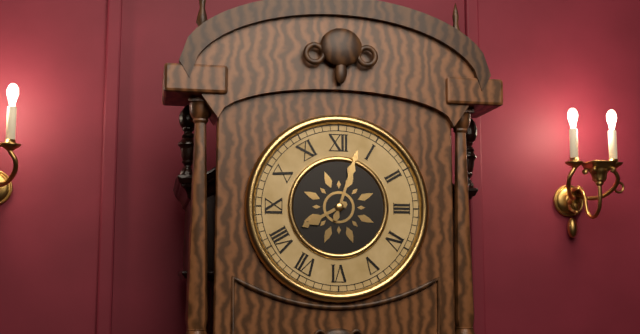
8 h 03 min
